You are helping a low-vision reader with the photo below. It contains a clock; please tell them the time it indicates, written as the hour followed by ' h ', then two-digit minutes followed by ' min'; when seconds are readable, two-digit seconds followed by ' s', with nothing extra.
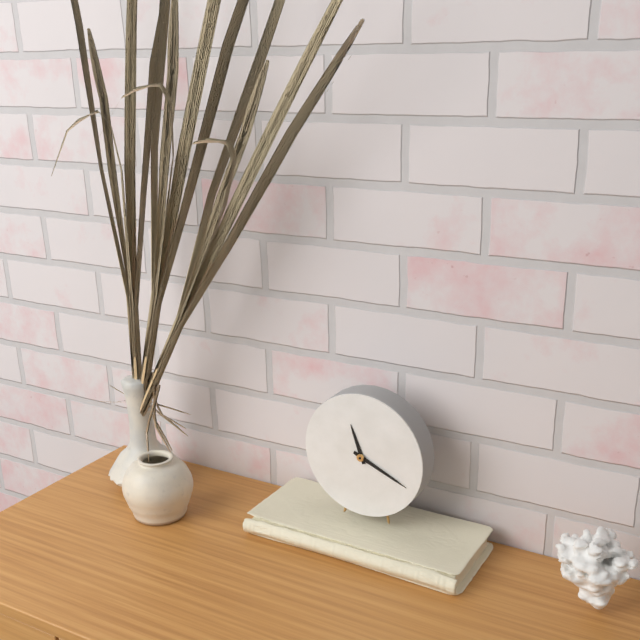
11 h 19 min
